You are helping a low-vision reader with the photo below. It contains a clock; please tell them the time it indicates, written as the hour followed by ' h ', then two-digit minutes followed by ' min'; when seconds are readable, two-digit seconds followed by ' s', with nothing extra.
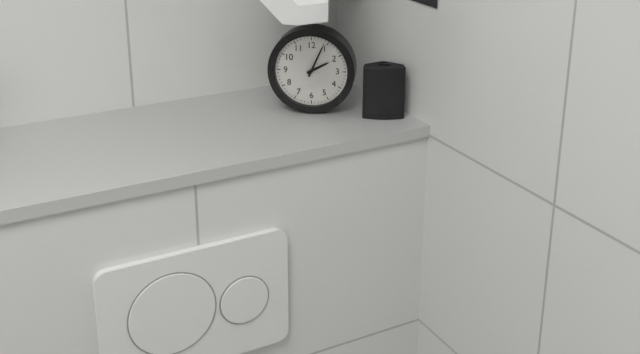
2 h 04 min
